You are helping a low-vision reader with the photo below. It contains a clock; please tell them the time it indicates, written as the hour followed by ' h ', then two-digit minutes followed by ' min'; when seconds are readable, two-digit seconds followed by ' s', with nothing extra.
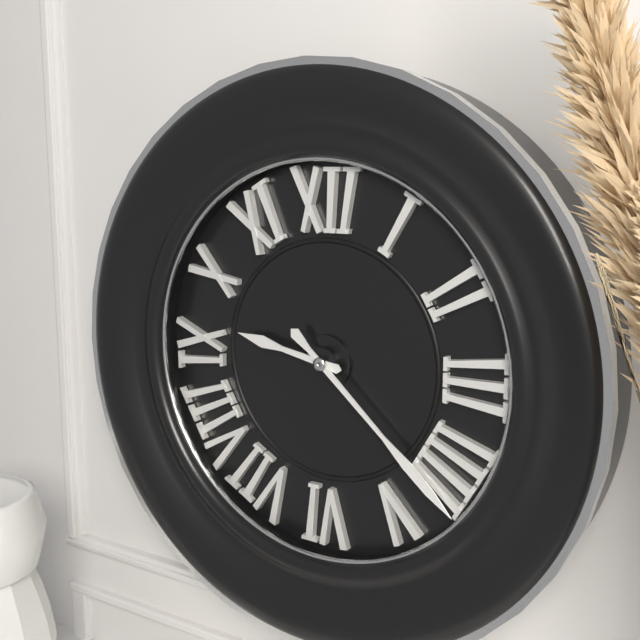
9 h 22 min
